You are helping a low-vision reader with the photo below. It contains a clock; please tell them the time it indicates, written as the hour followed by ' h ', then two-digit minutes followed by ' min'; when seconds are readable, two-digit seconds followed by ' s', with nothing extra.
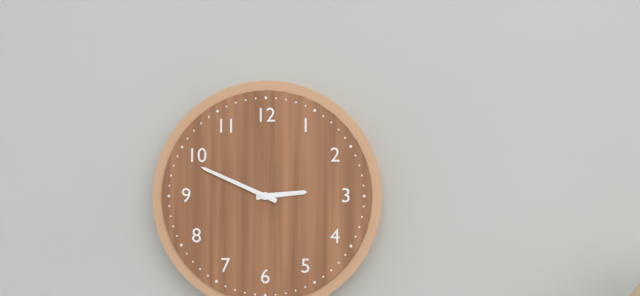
2 h 49 min
